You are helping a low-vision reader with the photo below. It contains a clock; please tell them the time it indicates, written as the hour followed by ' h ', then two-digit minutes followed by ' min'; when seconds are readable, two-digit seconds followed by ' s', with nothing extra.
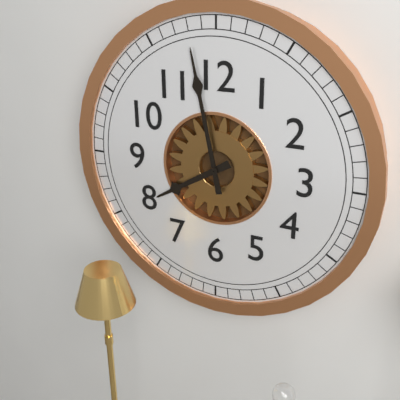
7 h 58 min
